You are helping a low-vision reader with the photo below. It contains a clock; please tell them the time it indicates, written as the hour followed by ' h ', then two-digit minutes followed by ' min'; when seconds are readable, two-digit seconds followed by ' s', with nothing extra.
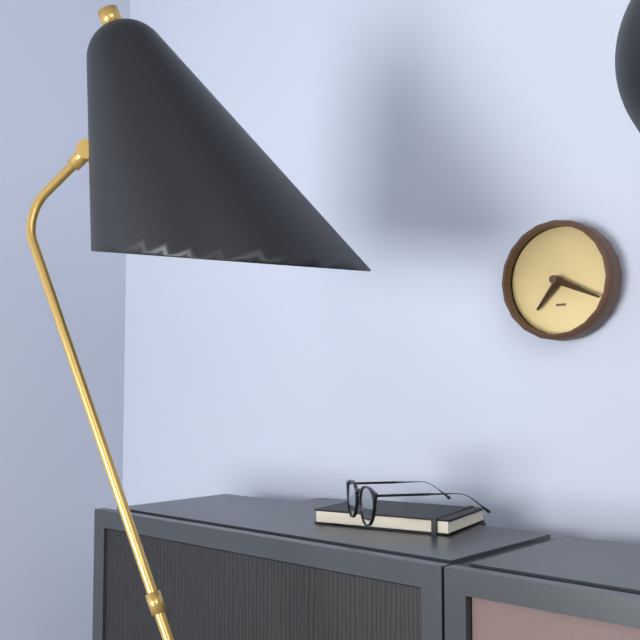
7 h 19 min
